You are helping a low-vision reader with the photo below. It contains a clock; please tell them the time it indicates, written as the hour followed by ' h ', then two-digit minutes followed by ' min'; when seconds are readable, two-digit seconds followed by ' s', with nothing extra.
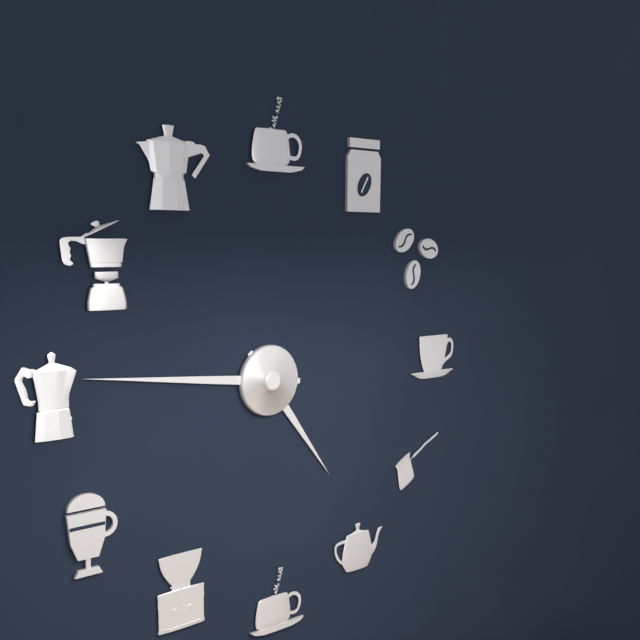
4 h 46 min
